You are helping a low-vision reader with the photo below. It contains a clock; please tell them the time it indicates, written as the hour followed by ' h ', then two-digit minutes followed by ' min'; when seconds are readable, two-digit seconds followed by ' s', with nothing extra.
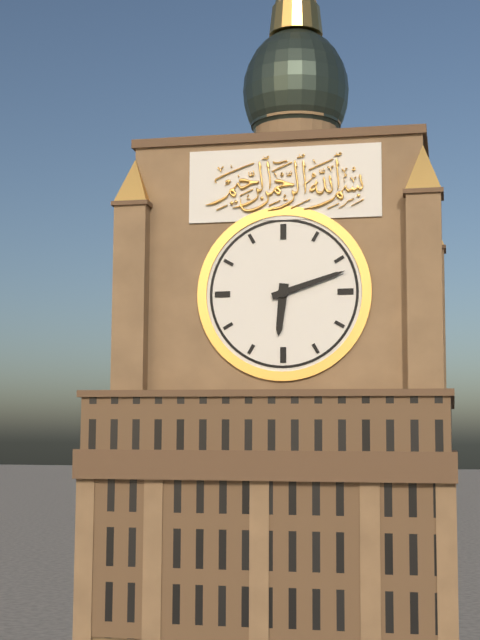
6 h 12 min
